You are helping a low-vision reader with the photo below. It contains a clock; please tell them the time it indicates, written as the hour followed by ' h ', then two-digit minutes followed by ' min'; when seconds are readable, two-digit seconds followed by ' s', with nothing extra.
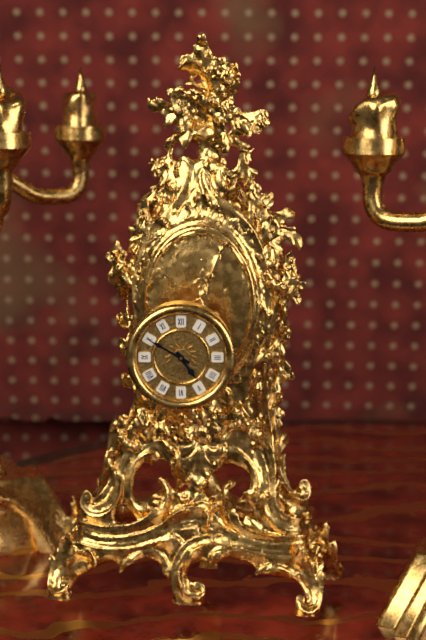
4 h 50 min
